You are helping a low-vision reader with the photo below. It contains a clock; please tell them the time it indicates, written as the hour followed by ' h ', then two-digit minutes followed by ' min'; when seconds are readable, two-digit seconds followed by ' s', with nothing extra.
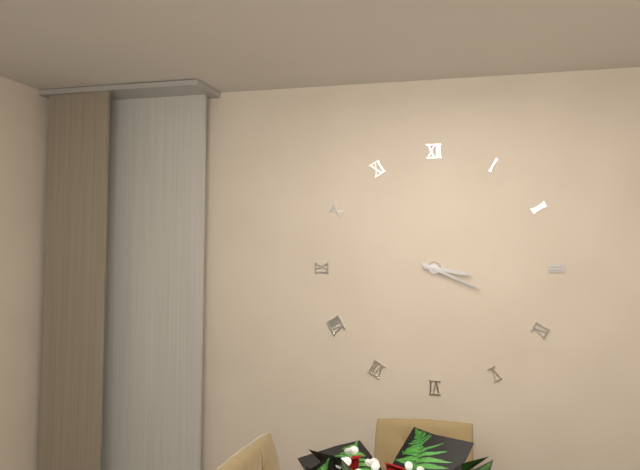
3 h 19 min
